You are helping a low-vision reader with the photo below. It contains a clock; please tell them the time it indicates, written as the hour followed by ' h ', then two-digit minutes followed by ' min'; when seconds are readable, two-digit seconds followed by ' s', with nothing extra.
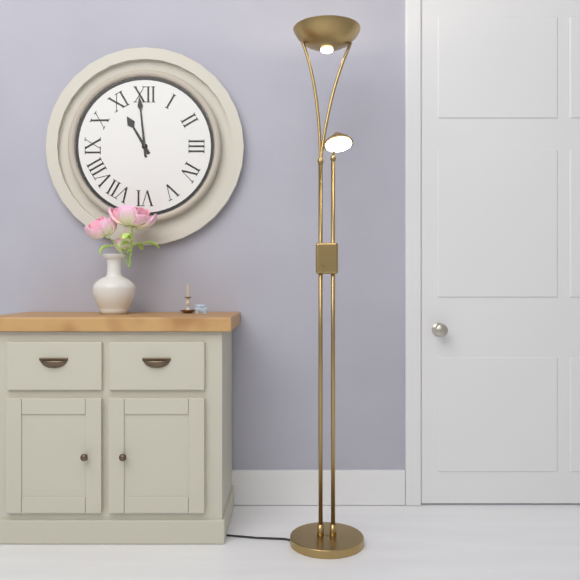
10 h 59 min
